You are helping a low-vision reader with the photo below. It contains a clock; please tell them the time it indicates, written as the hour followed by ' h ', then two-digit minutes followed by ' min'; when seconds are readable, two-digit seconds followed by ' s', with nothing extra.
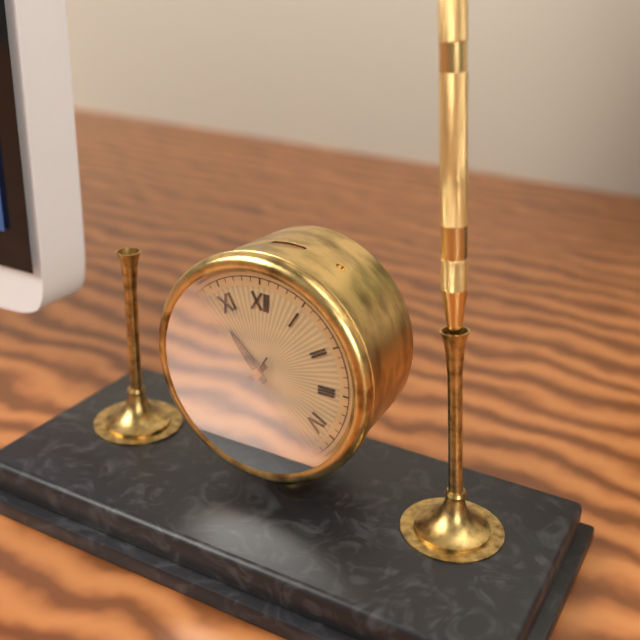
10 h 37 min 35 s
